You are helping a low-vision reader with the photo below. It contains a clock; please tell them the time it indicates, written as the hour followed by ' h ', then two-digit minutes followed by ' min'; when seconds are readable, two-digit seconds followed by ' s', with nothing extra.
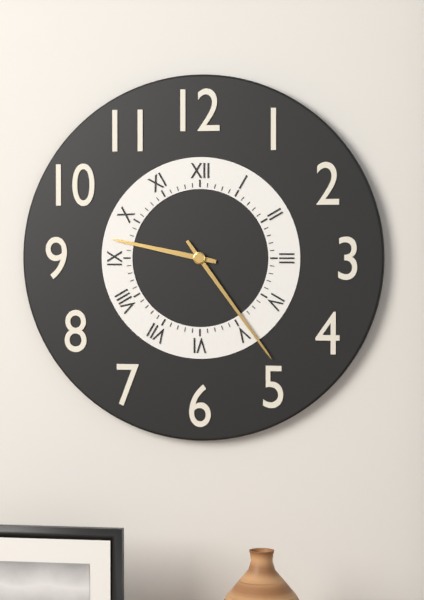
9 h 24 min
